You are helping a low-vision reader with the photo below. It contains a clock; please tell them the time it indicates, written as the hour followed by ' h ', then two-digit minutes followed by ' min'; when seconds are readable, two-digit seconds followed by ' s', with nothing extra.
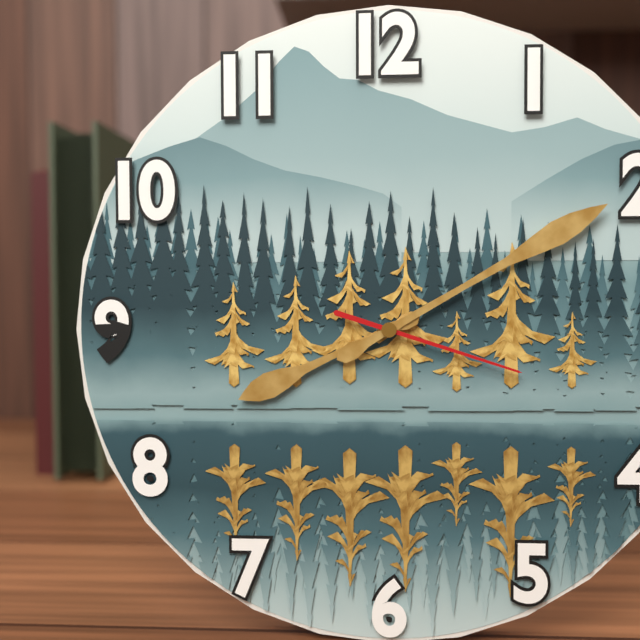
8 h 10 min 18 s
